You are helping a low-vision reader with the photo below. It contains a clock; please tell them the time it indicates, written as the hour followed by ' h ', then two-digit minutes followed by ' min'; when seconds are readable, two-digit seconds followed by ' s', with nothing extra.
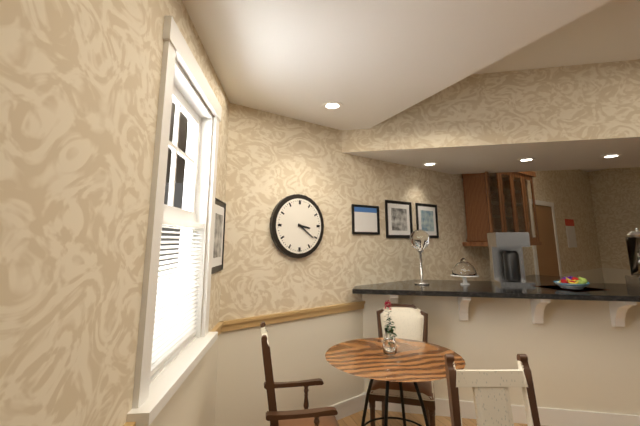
3 h 21 min
